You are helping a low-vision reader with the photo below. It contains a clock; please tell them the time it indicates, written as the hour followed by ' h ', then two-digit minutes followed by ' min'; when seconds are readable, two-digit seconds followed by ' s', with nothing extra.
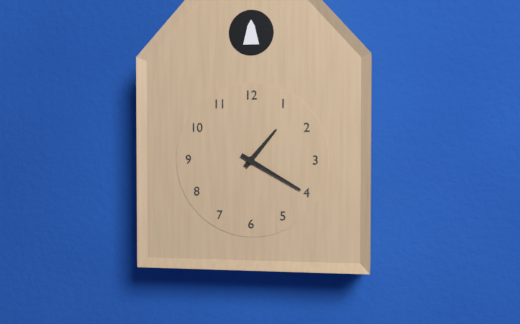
1 h 20 min
